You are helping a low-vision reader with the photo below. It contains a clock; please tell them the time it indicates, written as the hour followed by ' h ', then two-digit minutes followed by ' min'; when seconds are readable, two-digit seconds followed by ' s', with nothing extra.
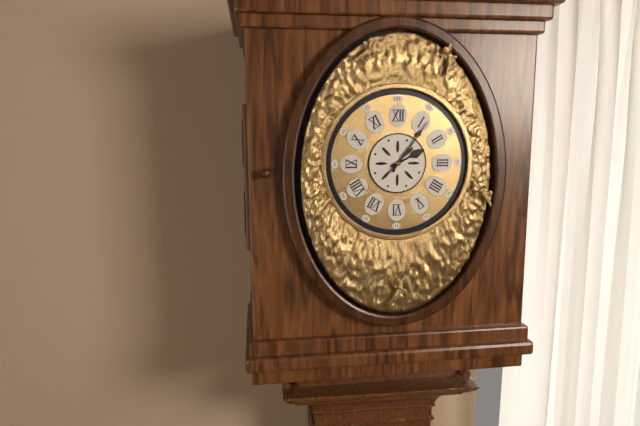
2 h 06 min
